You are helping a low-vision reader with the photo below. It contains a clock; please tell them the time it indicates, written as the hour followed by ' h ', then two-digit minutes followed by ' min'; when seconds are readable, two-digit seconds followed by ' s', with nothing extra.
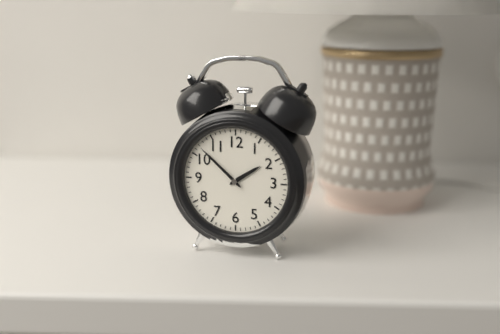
1 h 52 min
